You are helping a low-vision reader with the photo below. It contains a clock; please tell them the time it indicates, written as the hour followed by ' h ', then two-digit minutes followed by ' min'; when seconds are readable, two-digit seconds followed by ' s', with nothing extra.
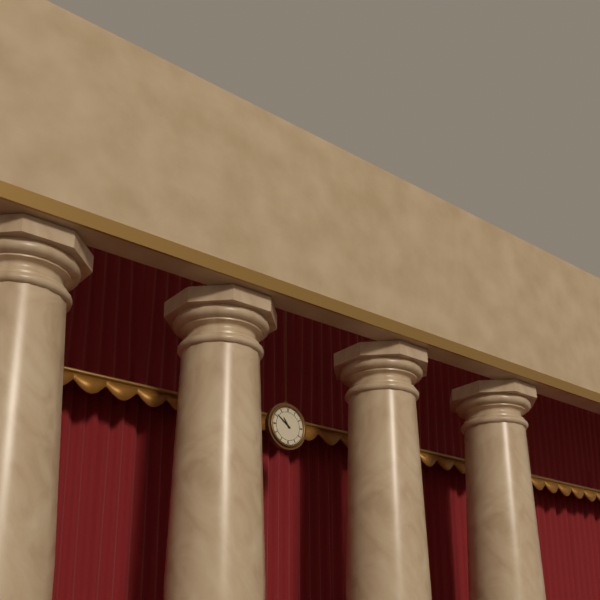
10 h 51 min
